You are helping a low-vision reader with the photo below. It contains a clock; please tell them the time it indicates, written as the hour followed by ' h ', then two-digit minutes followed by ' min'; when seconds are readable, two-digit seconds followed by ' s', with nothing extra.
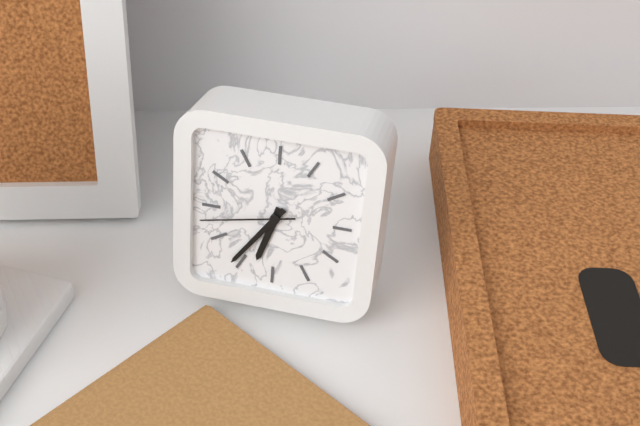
6 h 36 min 43 s
